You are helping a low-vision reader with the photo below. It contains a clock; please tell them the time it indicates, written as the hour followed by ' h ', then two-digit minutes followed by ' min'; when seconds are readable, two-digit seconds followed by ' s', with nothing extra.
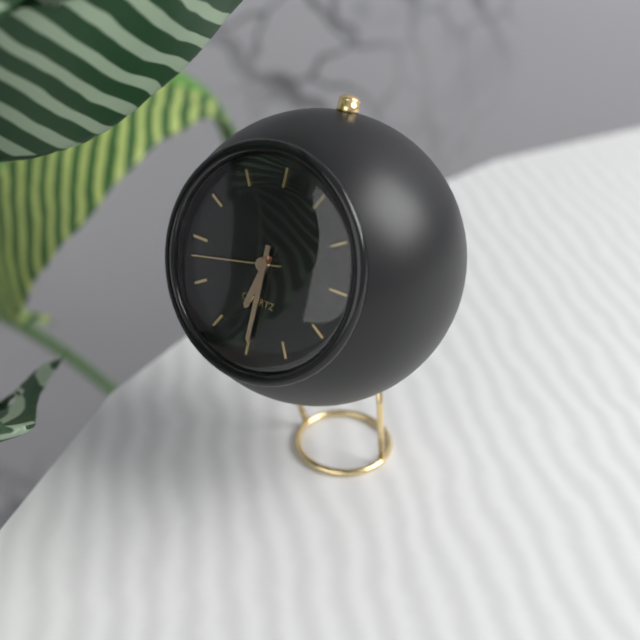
6 h 30 min 43 s
